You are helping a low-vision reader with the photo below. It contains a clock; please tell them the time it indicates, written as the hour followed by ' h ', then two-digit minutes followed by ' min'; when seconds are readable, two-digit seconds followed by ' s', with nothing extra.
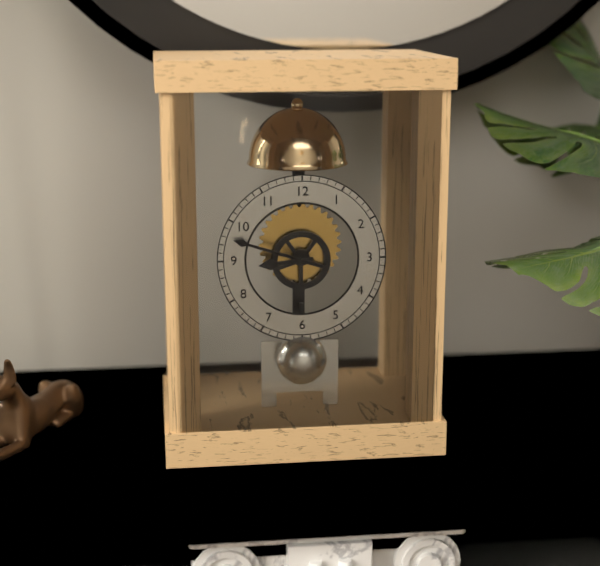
8 h 48 min
